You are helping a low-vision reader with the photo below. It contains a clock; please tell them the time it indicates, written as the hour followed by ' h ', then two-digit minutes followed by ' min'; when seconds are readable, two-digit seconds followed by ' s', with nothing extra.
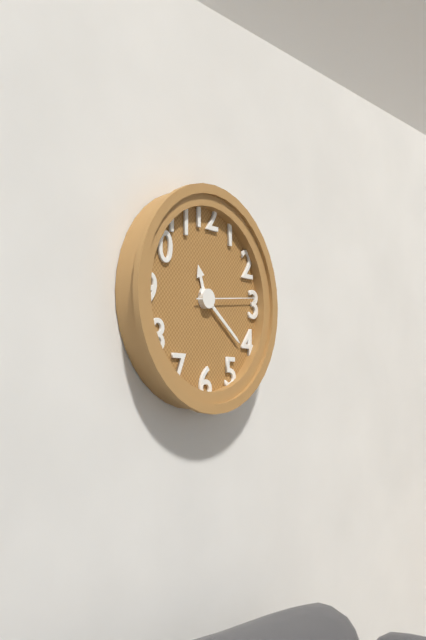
11 h 21 min 14 s
